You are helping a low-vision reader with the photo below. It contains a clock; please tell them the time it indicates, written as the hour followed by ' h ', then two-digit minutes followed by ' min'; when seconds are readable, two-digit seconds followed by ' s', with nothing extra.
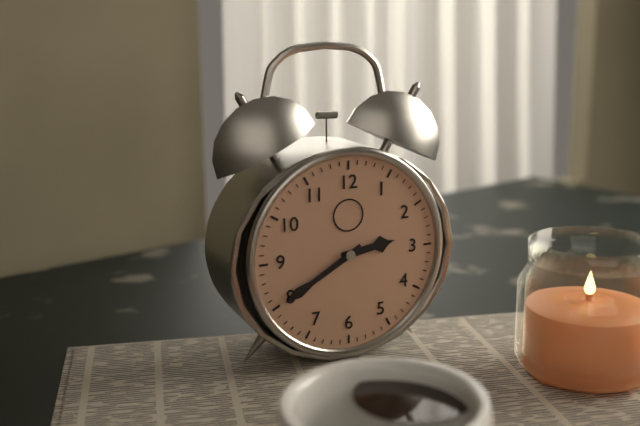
2 h 40 min
